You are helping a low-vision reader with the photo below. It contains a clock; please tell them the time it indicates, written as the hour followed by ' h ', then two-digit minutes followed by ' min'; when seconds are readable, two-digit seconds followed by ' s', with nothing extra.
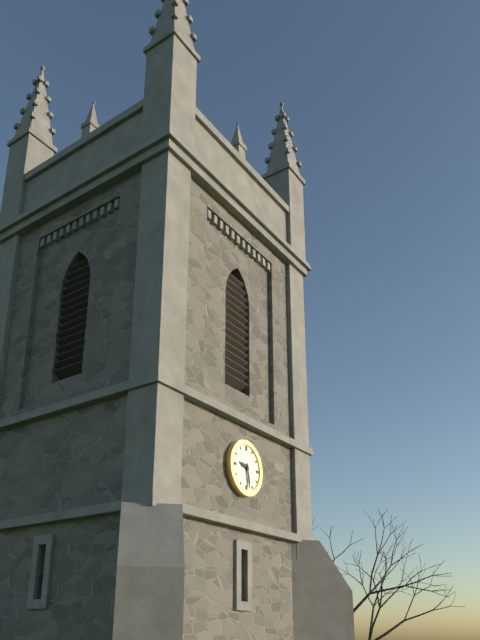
9 h 28 min
